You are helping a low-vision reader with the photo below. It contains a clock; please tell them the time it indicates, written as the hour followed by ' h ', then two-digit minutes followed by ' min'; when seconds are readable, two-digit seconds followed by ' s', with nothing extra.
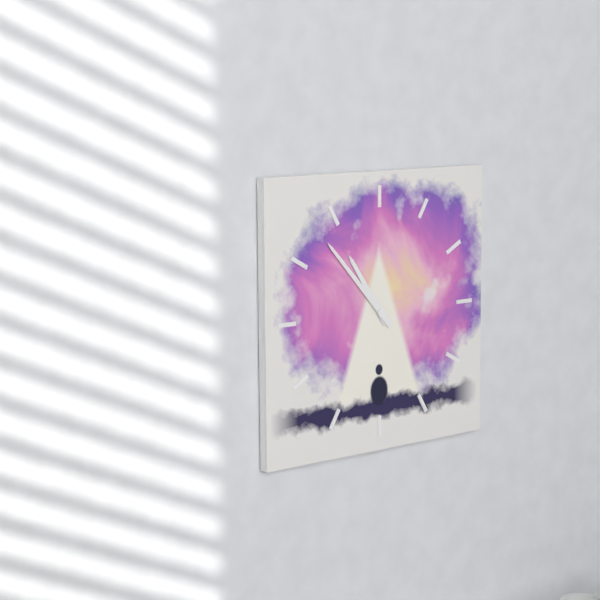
10 h 53 min
